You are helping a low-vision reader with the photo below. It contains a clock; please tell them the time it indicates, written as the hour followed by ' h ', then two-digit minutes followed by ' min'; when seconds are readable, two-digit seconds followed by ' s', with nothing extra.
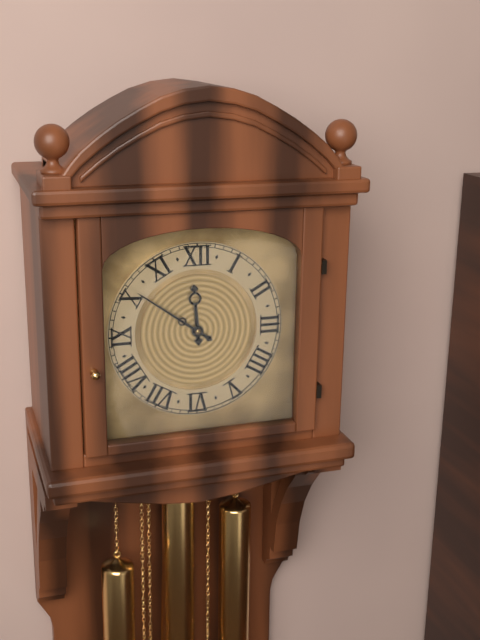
11 h 51 min
